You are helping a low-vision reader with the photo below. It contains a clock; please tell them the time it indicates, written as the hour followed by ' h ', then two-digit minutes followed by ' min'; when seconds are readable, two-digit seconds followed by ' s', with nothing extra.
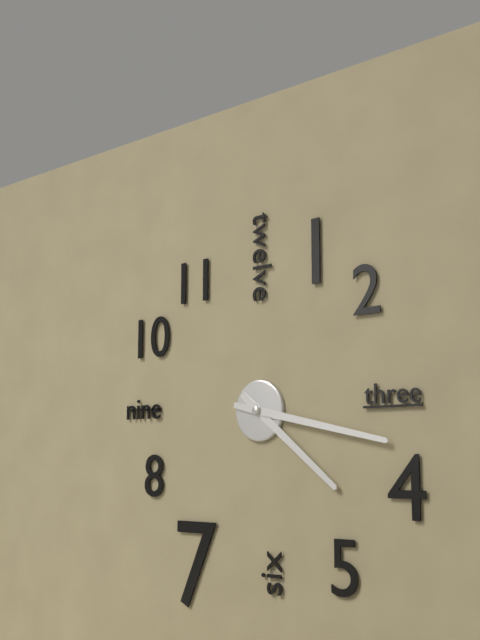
4 h 17 min
